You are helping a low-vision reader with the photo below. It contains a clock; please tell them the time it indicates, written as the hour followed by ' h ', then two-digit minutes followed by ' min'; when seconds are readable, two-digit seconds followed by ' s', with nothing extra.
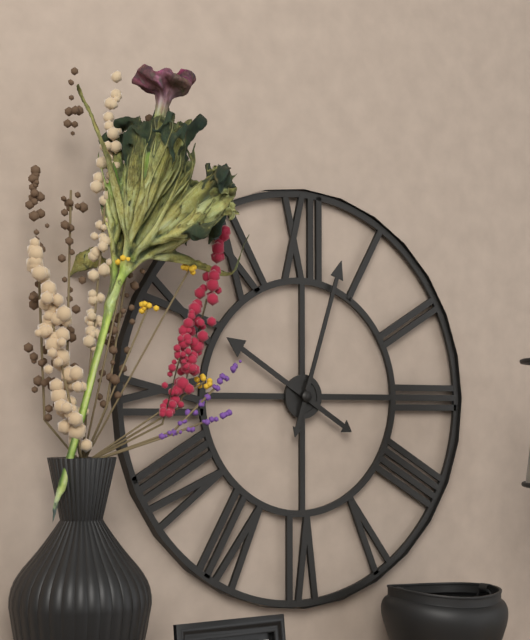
10 h 03 min
